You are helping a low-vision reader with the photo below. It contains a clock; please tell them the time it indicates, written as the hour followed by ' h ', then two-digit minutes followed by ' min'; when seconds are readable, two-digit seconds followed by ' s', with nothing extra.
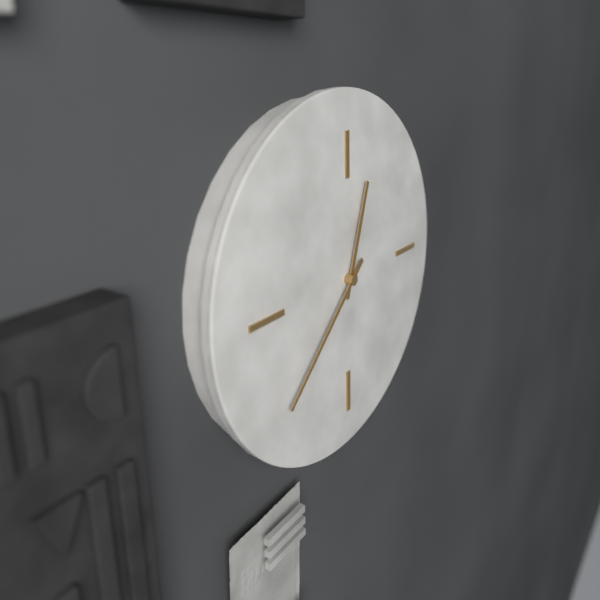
12 h 38 min
